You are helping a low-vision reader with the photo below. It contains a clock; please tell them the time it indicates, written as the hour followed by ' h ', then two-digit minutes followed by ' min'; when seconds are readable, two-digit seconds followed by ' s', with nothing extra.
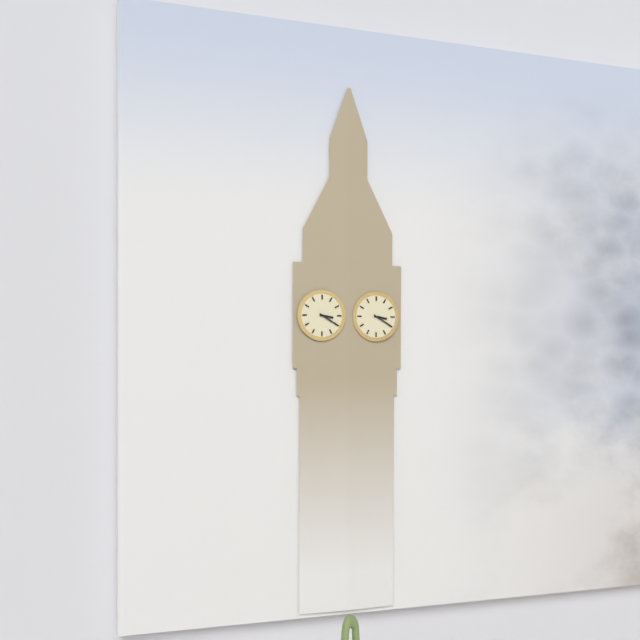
3 h 20 min
